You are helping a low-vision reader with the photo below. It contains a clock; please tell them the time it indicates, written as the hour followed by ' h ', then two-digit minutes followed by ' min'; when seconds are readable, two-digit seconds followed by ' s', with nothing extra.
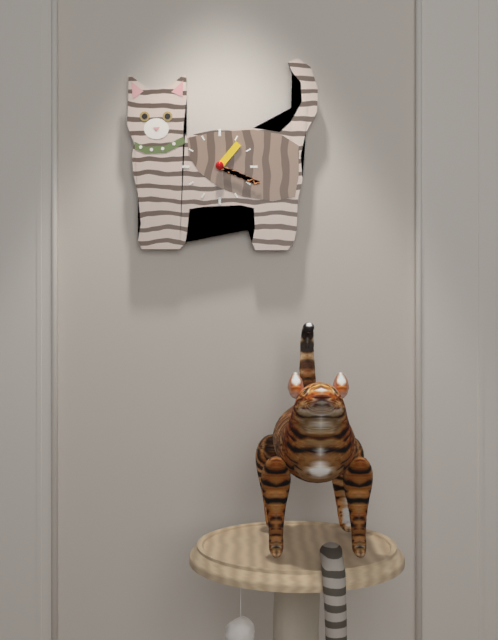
1 h 19 min
